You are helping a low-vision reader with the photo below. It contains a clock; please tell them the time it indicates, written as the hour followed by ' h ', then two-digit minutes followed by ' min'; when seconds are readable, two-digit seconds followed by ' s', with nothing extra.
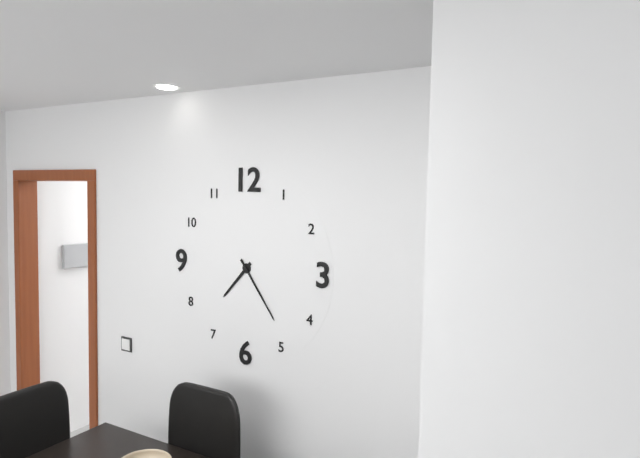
7 h 24 min
